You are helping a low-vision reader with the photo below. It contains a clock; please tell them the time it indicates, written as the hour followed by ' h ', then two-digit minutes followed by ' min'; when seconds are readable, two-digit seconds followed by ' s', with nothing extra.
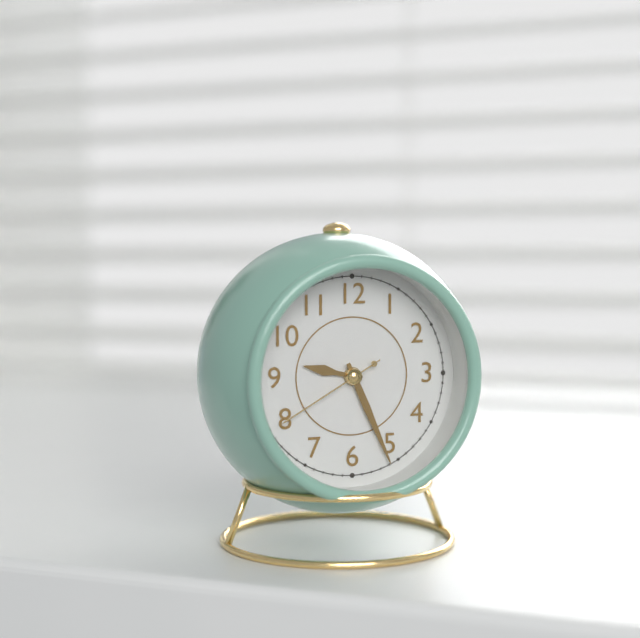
9 h 26 min 40 s
